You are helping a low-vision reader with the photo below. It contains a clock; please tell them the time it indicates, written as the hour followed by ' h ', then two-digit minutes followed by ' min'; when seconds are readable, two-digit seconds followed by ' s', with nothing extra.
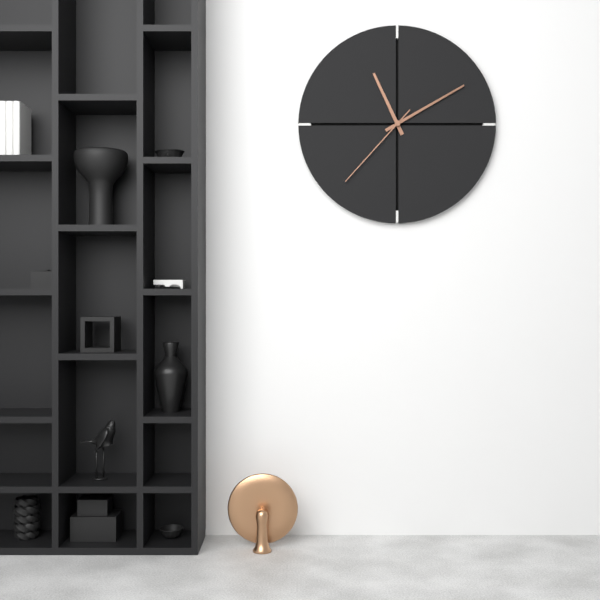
11 h 10 min 37 s
